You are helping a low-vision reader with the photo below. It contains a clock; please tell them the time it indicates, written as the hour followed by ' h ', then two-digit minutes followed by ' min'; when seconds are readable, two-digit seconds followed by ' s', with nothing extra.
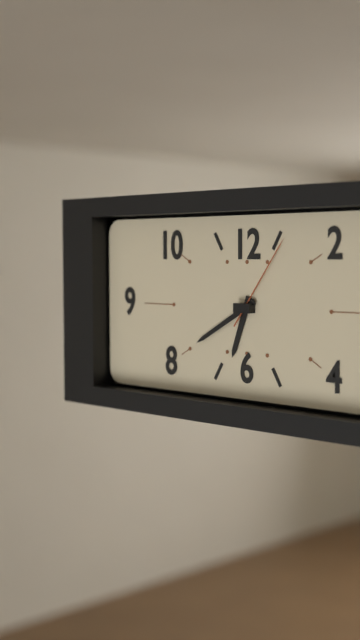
6 h 40 min 06 s
